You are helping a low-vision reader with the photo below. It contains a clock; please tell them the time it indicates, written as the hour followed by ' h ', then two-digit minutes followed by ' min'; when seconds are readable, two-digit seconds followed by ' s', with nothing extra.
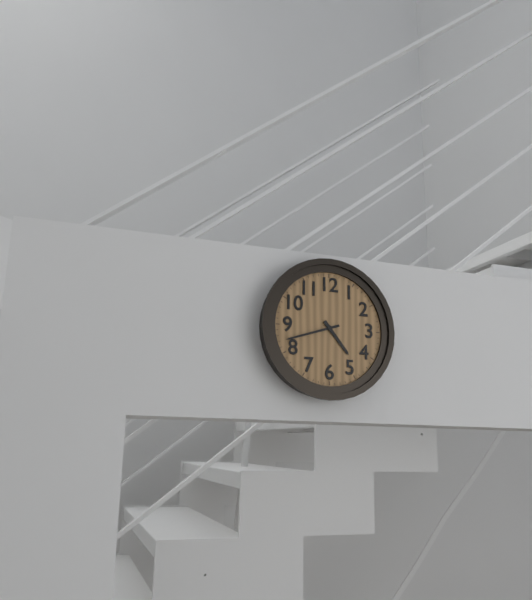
4 h 42 min
